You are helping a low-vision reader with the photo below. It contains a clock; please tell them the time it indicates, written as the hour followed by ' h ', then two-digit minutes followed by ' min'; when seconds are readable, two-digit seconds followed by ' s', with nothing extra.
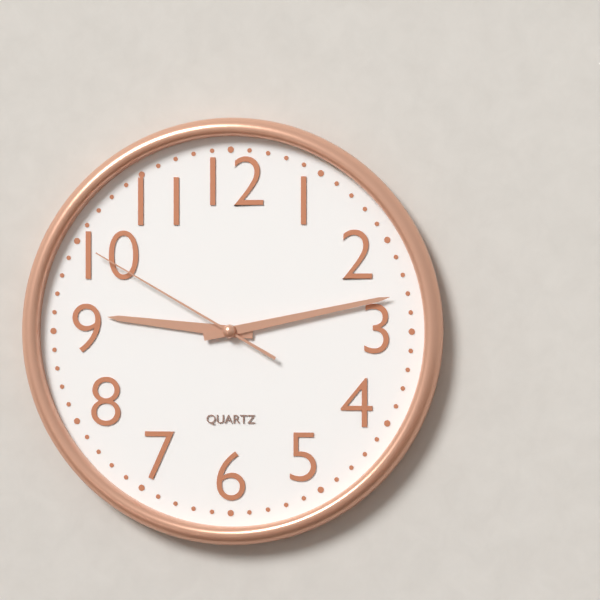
9 h 13 min 50 s
